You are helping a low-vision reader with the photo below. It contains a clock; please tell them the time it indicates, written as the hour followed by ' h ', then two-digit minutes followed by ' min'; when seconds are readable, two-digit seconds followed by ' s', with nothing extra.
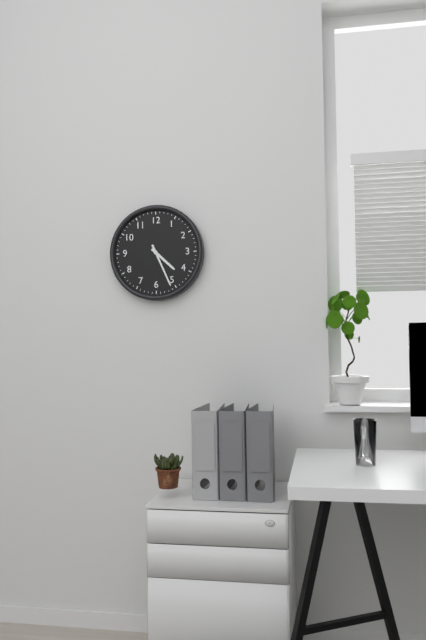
4 h 26 min
